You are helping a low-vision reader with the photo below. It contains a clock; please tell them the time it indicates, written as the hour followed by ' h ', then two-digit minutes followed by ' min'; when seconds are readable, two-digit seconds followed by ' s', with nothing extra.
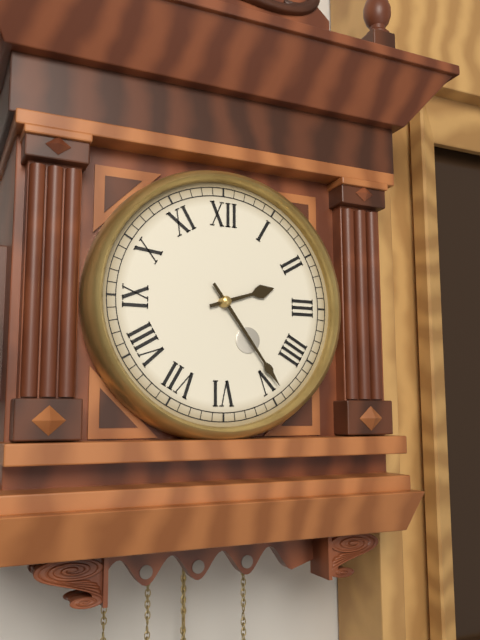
2 h 24 min
